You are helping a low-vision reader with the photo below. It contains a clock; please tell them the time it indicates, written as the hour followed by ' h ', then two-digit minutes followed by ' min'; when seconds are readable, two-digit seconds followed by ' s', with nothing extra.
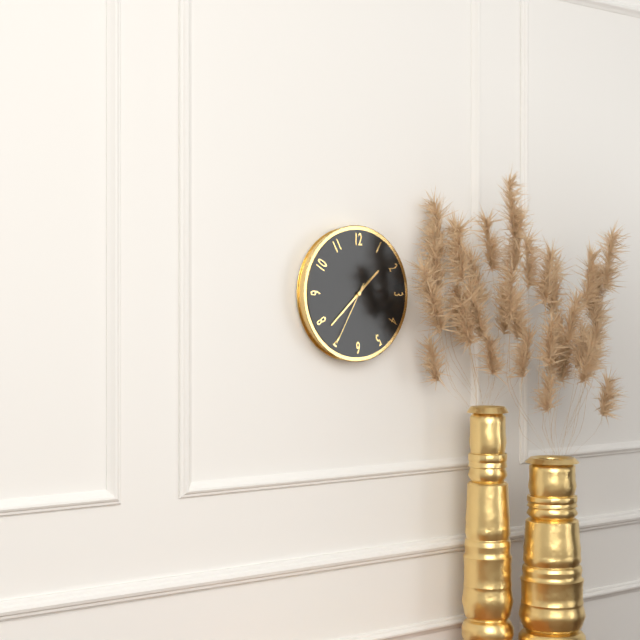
1 h 38 min 35 s
